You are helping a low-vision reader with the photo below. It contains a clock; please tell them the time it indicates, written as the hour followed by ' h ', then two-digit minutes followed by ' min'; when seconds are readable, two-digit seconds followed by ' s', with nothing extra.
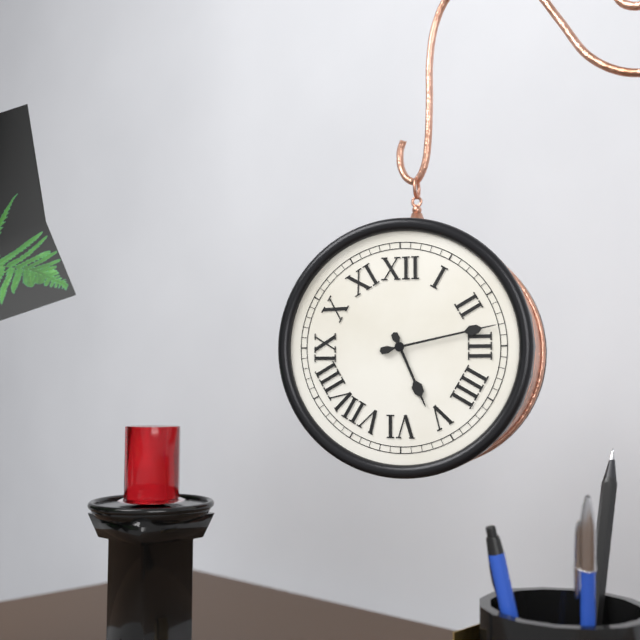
5 h 13 min
